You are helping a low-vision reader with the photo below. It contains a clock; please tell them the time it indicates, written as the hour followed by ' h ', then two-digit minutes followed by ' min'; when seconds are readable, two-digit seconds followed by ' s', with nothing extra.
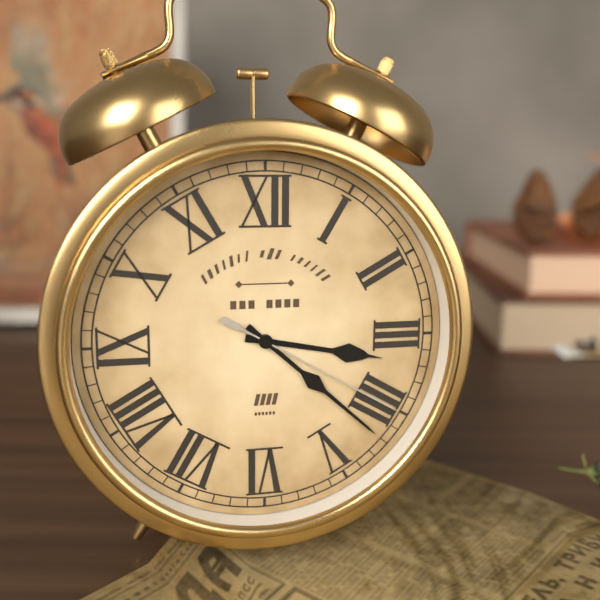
3 h 22 min 20 s
